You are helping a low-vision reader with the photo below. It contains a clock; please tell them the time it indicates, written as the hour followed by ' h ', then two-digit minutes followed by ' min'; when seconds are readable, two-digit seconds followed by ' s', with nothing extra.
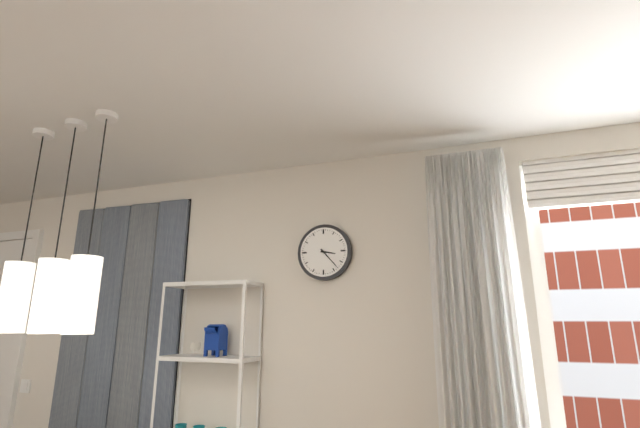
3 h 23 min
